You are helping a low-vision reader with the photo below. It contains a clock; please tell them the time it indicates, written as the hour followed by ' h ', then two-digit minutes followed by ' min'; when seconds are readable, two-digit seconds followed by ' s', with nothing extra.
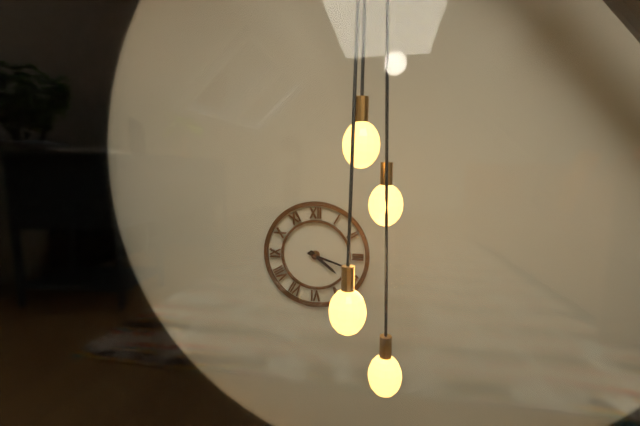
4 h 18 min
